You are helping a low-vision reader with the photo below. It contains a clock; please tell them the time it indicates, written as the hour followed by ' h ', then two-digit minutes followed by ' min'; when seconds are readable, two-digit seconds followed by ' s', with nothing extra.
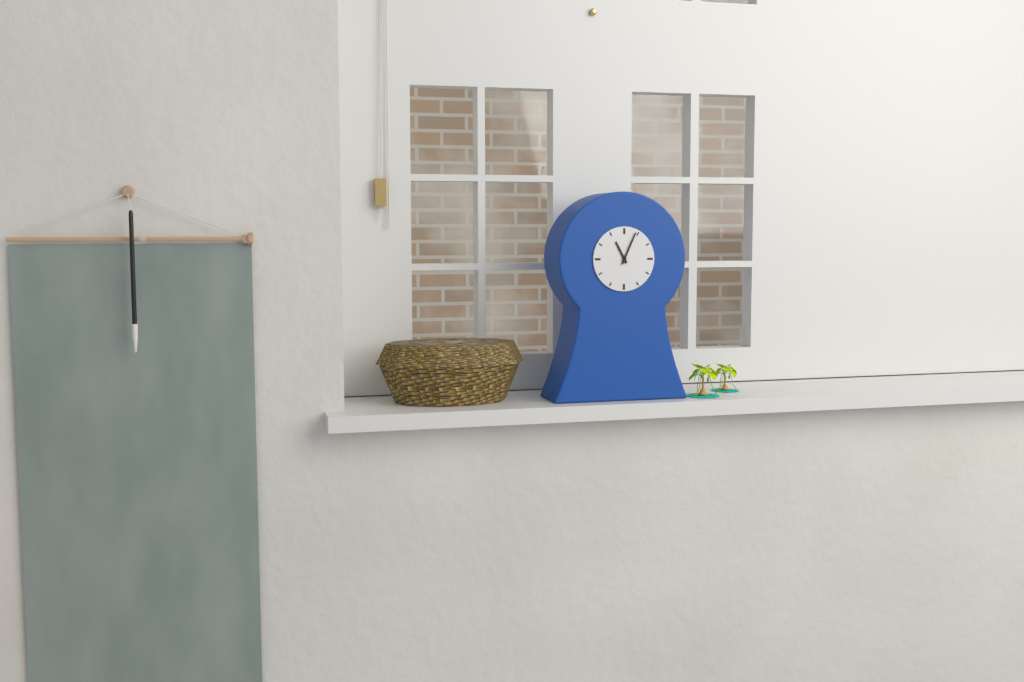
11 h 04 min
